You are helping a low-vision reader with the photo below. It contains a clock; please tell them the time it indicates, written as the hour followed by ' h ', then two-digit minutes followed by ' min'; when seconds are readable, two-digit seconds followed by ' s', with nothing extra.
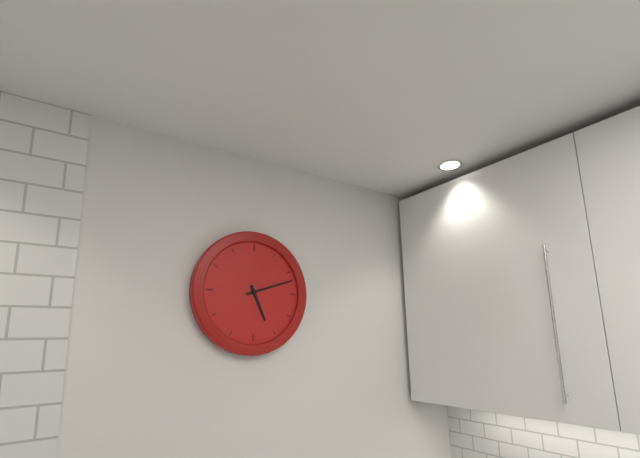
5 h 12 min
